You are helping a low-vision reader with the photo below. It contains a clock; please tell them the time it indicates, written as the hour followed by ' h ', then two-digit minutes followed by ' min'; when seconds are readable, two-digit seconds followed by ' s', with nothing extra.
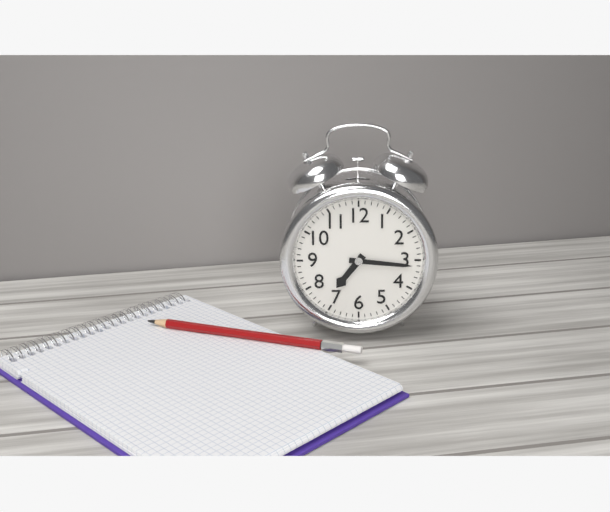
7 h 16 min
